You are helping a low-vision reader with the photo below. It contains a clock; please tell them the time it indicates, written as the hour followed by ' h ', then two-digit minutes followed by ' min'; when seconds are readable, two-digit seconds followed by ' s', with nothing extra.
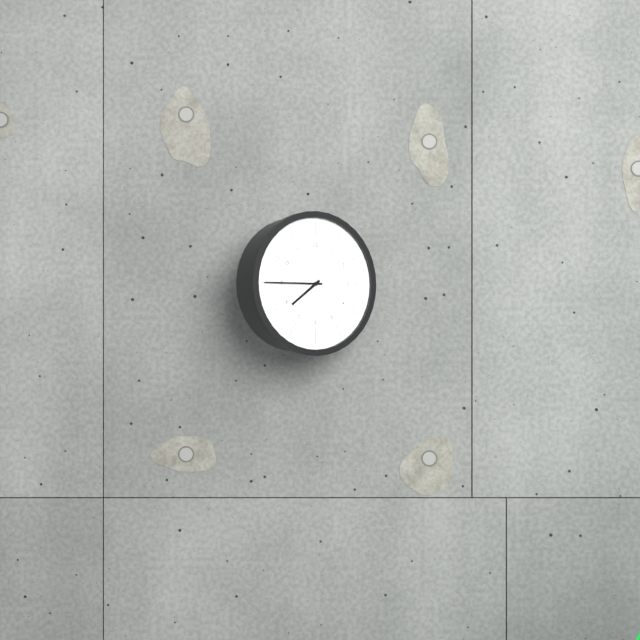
7 h 45 min
